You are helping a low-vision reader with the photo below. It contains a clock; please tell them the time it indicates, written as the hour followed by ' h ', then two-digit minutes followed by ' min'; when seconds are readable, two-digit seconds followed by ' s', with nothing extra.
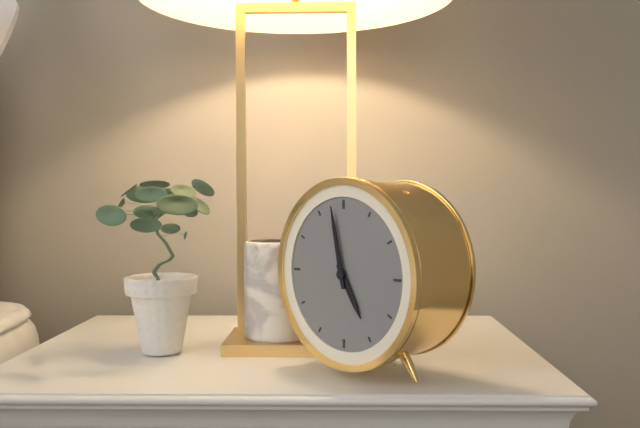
4 h 58 min
